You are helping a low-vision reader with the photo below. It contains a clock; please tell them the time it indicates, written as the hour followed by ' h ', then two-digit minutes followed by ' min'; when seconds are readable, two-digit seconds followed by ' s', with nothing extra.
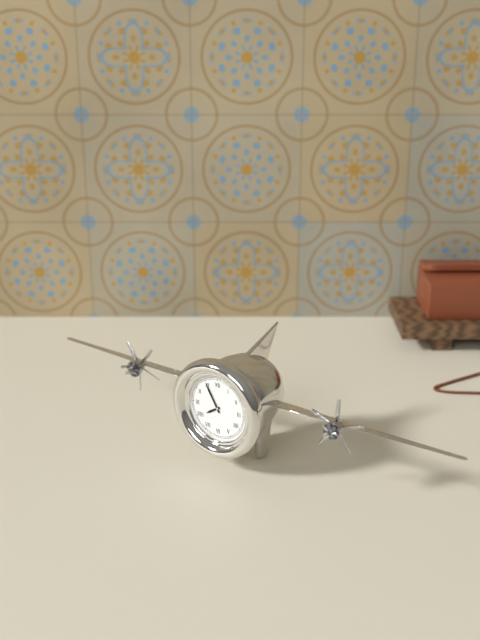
7 h 55 min
